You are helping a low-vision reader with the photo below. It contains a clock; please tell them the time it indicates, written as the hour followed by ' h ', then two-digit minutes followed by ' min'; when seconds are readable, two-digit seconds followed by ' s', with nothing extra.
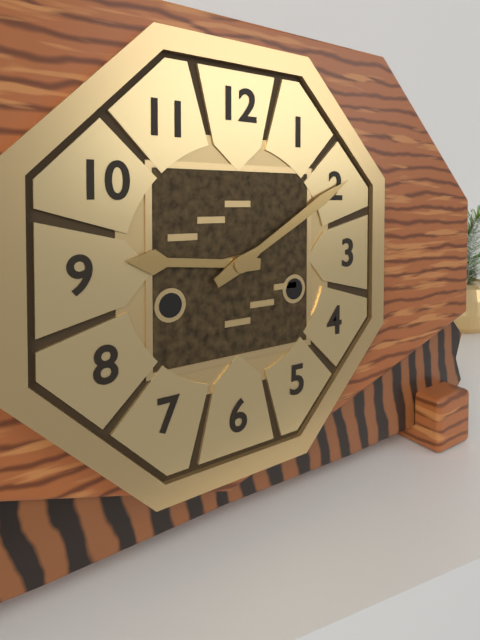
9 h 10 min
